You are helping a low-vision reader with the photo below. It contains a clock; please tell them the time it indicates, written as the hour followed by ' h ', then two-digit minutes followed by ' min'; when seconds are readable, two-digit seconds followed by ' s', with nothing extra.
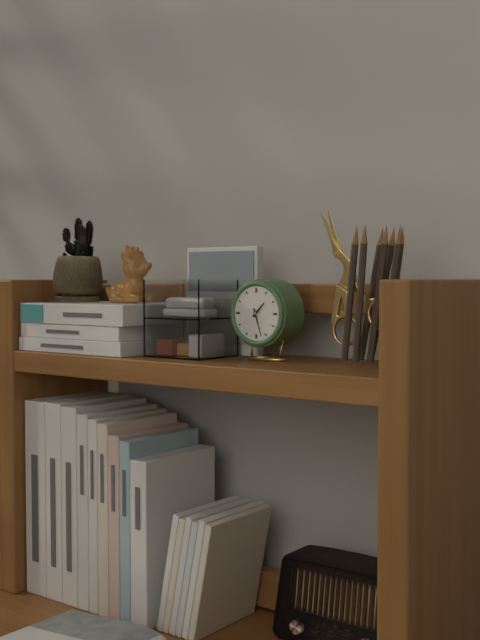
1 h 27 min
